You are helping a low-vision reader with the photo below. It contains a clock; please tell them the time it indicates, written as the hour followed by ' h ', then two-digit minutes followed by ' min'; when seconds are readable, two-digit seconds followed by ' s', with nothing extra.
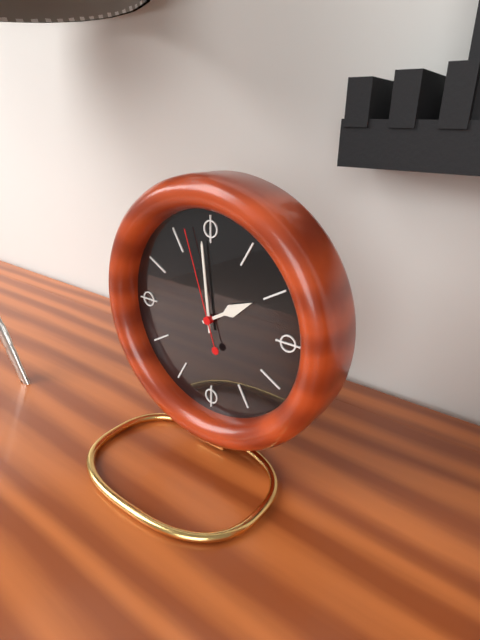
1 h 59 min 57 s
